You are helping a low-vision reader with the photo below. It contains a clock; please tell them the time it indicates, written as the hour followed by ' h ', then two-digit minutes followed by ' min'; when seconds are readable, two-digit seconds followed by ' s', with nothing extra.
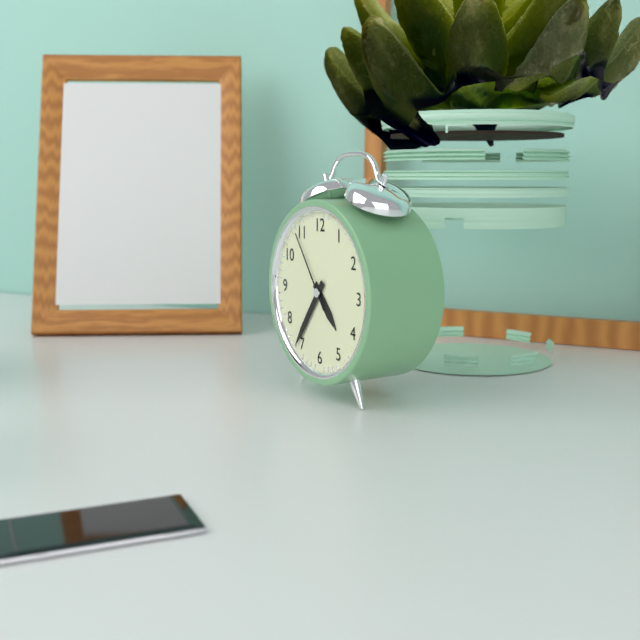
4 h 36 min 54 s
